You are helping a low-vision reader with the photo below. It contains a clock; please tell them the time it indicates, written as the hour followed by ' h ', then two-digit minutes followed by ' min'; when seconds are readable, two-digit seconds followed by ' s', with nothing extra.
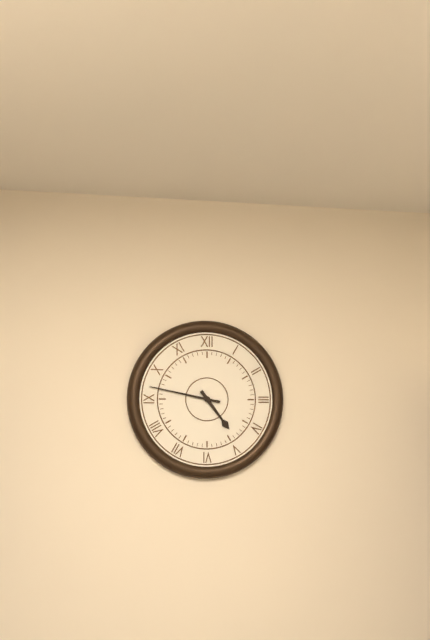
4 h 47 min
